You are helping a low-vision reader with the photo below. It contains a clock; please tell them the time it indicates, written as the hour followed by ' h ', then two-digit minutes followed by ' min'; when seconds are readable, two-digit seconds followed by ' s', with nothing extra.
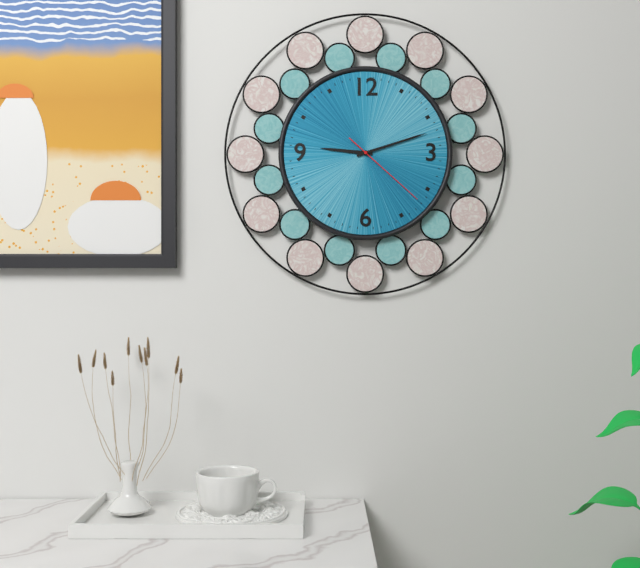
9 h 12 min 22 s
